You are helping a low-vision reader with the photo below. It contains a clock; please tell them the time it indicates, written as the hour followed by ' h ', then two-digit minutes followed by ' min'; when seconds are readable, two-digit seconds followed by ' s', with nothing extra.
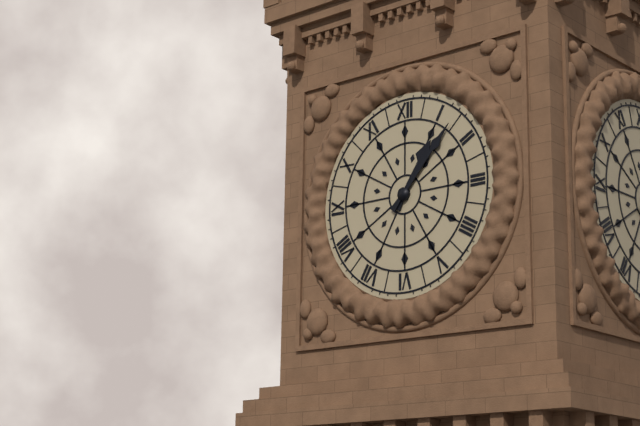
1 h 07 min
